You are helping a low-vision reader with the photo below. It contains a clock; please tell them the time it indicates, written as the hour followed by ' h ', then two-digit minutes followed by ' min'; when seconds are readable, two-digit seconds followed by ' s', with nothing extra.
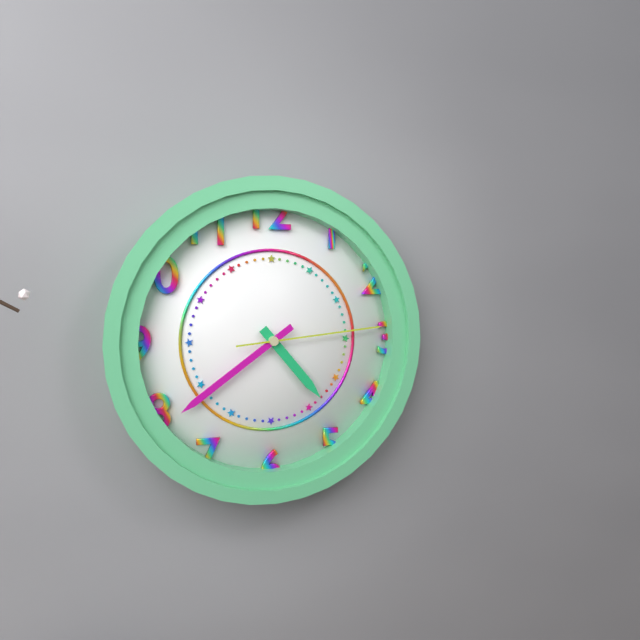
4 h 39 min 14 s
